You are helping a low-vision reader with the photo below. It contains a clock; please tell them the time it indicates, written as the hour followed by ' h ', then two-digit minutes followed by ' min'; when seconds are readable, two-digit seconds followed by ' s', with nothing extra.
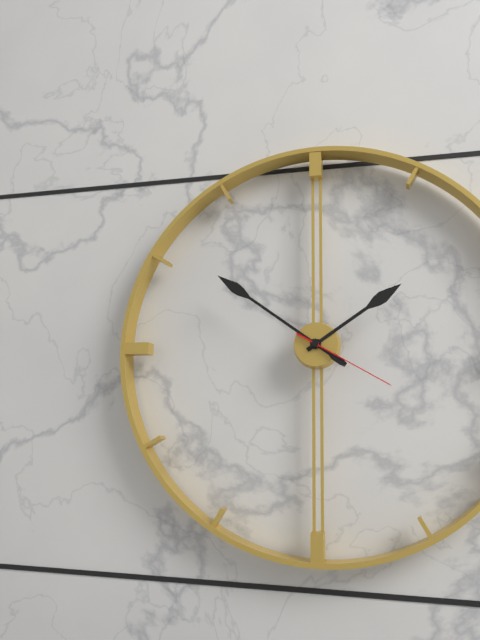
1 h 51 min 20 s
